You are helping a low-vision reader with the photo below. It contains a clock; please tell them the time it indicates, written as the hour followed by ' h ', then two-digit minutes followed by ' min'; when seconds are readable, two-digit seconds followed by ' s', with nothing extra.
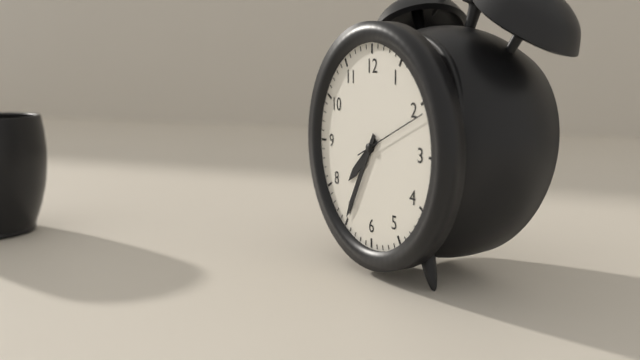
7 h 35 min 11 s
